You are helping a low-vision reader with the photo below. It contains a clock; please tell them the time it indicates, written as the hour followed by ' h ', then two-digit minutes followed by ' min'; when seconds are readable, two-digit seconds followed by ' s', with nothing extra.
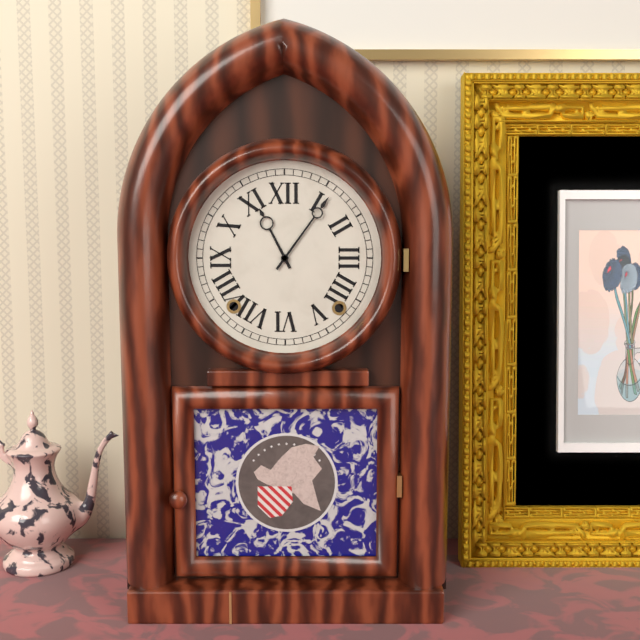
11 h 06 min
